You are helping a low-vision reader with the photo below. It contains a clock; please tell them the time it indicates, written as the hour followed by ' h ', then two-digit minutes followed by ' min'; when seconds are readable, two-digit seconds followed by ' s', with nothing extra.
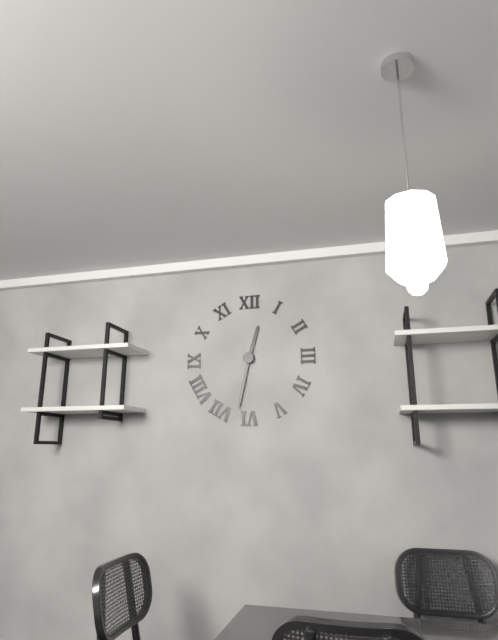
12 h 32 min
